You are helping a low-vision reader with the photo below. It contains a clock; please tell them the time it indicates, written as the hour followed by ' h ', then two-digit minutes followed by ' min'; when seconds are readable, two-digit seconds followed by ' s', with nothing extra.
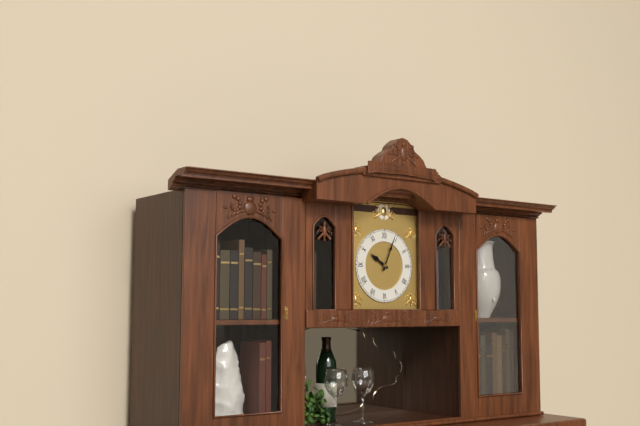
10 h 04 min
